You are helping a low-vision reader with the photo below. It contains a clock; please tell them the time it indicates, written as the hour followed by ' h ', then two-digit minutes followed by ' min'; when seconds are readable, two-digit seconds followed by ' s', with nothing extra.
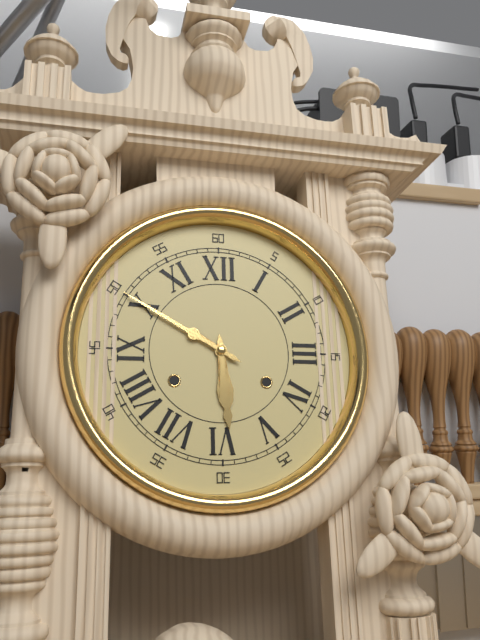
5 h 50 min
